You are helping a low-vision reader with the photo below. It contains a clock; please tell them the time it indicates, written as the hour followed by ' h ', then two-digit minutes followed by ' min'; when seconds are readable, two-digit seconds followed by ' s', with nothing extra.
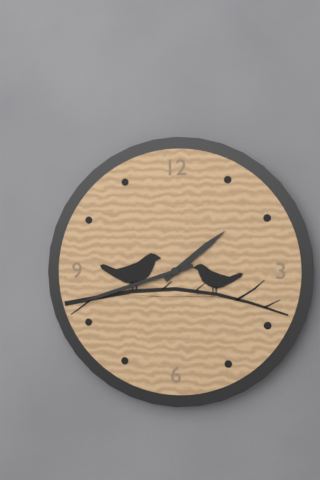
1 h 42 min
